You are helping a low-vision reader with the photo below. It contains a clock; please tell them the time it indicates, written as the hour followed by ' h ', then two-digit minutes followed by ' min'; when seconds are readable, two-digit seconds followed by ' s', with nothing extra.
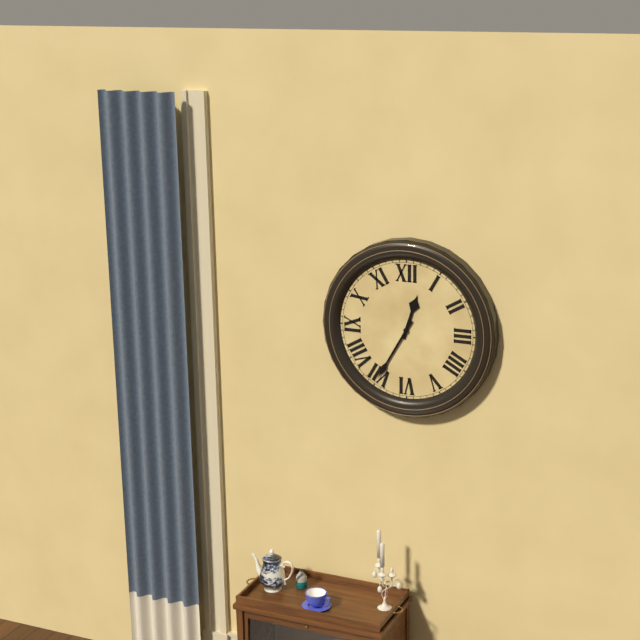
12 h 35 min
